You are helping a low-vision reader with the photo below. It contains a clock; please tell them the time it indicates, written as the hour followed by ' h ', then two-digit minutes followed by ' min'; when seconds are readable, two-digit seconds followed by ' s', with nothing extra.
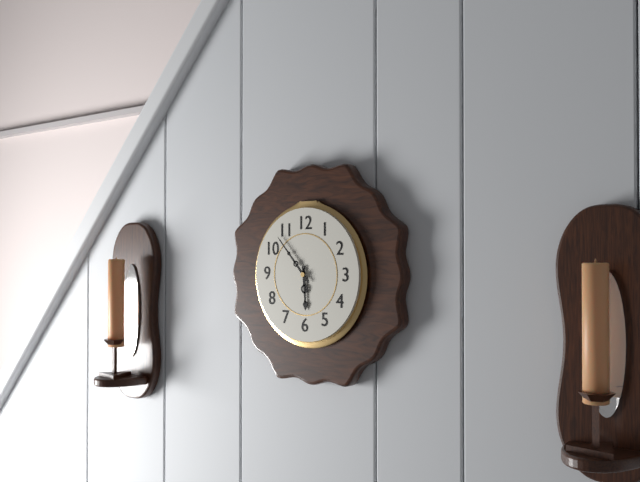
5 h 53 min
